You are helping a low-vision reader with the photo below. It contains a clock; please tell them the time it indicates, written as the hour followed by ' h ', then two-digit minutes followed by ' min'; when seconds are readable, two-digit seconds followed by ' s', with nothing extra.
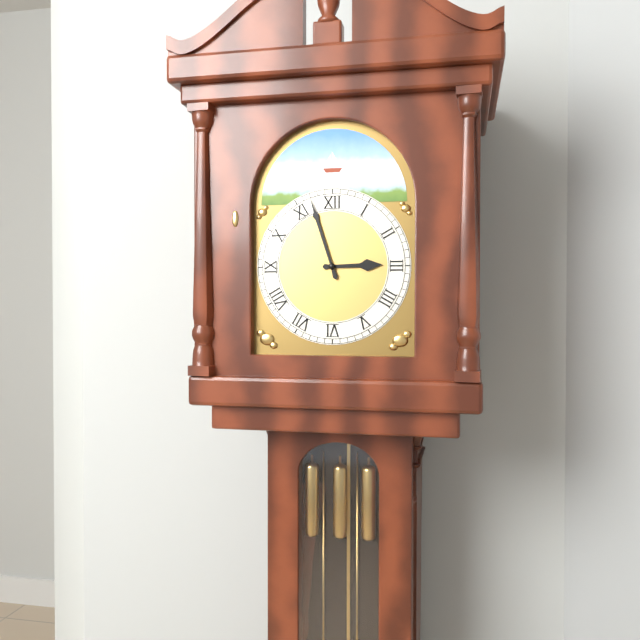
2 h 57 min
